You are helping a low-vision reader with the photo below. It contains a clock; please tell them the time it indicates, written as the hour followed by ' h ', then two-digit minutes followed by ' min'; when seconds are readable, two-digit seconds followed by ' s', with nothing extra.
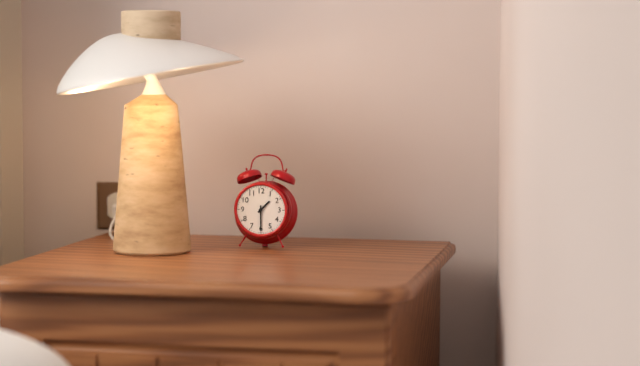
1 h 30 min
